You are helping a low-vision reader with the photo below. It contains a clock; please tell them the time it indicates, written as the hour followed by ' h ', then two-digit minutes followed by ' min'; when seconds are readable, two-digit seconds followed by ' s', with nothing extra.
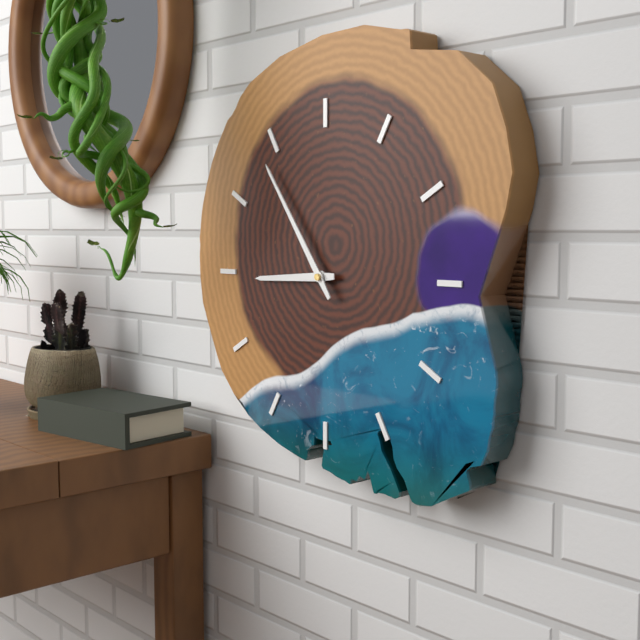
8 h 54 min
